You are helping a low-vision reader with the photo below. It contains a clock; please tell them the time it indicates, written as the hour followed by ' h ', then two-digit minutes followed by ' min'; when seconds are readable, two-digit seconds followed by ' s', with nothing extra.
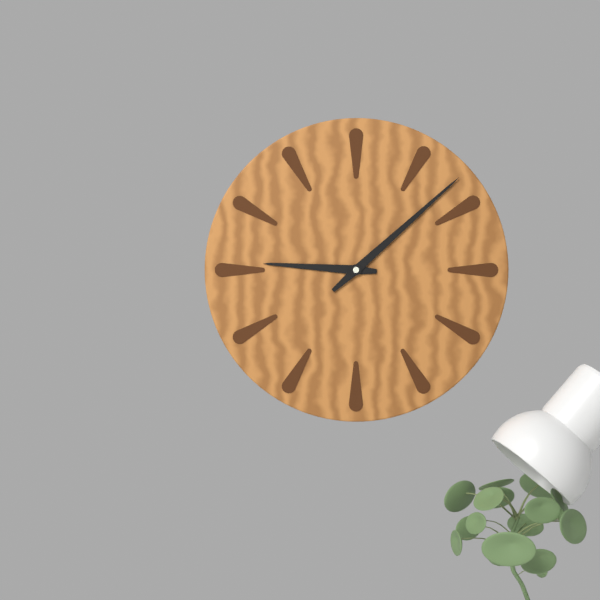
9 h 08 min
